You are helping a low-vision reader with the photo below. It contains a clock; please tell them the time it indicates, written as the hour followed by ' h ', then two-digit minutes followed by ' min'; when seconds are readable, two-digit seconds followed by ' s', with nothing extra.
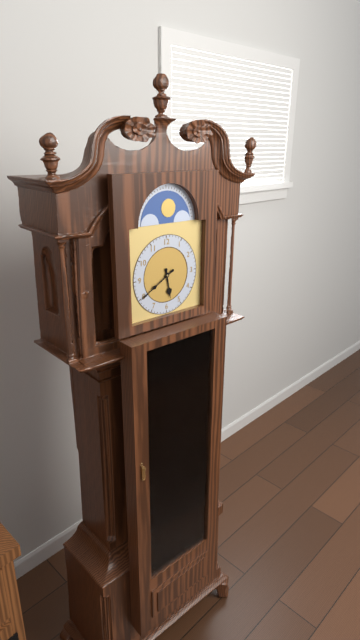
5 h 40 min
